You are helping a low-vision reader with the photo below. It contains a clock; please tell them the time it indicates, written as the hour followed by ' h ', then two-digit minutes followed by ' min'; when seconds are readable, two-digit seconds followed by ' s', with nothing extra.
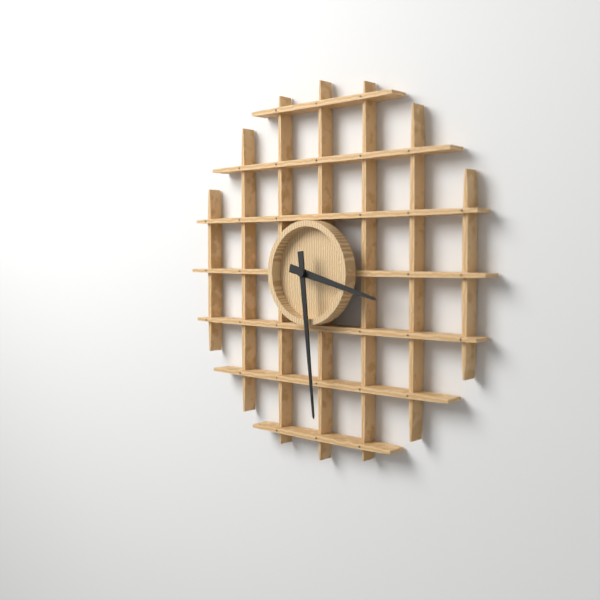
3 h 29 min
